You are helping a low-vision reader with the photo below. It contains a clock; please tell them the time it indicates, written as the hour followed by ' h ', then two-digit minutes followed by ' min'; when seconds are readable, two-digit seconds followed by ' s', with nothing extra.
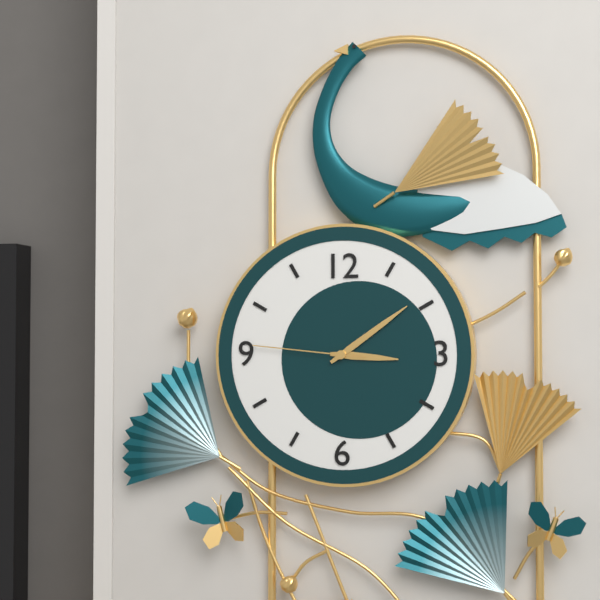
3 h 09 min 46 s
